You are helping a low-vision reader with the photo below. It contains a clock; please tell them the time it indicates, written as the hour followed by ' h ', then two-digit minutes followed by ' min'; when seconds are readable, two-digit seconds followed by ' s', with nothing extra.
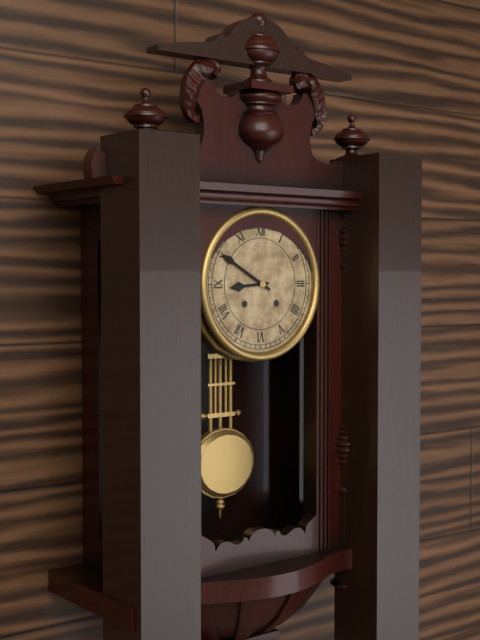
8 h 50 min
